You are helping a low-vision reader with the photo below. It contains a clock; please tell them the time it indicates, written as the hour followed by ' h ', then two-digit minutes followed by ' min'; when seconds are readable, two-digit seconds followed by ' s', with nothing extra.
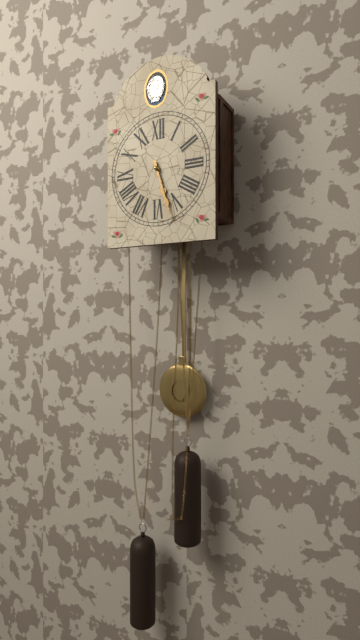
5 h 27 min
